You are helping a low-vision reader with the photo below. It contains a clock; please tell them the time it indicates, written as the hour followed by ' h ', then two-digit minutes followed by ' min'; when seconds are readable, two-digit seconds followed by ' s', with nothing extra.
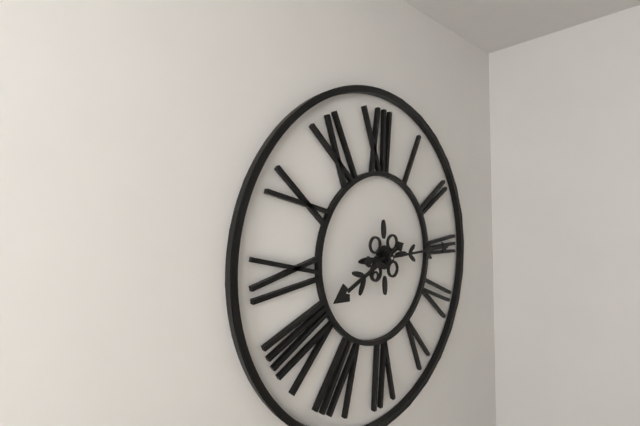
8 h 15 min
